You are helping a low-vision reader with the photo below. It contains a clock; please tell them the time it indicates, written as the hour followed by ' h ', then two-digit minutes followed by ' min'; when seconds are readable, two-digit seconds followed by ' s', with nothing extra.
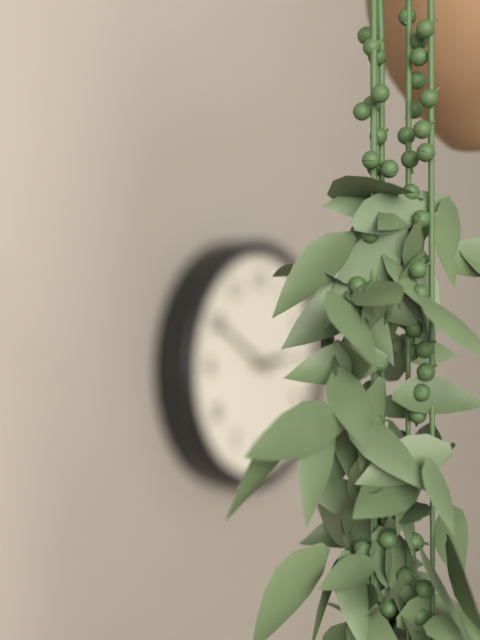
2 h 50 min
